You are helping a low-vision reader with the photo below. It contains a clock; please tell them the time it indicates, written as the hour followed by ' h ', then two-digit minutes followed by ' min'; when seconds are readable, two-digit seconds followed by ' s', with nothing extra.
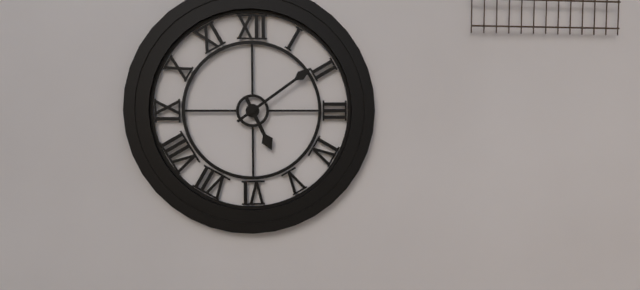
5 h 09 min
